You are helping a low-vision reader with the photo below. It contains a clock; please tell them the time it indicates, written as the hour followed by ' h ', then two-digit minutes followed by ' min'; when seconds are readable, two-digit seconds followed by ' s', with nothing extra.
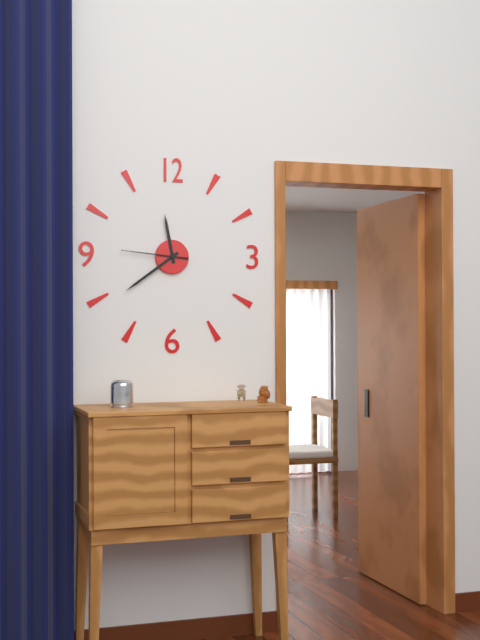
11 h 39 min 46 s
